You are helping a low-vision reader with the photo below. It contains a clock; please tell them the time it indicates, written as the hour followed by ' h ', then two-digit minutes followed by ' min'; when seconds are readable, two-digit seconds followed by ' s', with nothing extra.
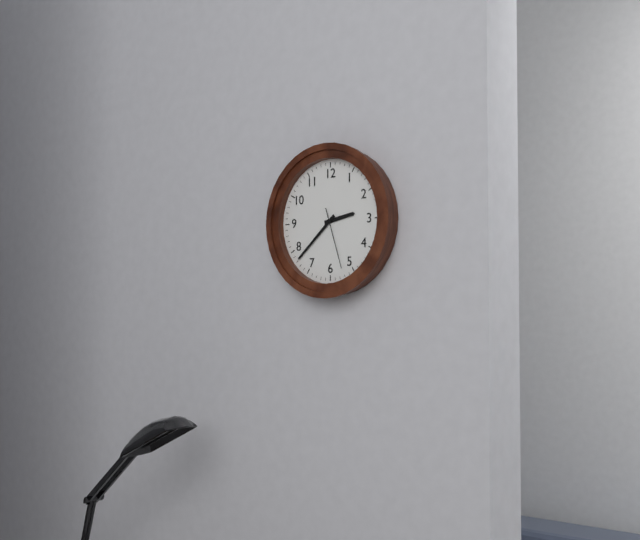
2 h 38 min 27 s
